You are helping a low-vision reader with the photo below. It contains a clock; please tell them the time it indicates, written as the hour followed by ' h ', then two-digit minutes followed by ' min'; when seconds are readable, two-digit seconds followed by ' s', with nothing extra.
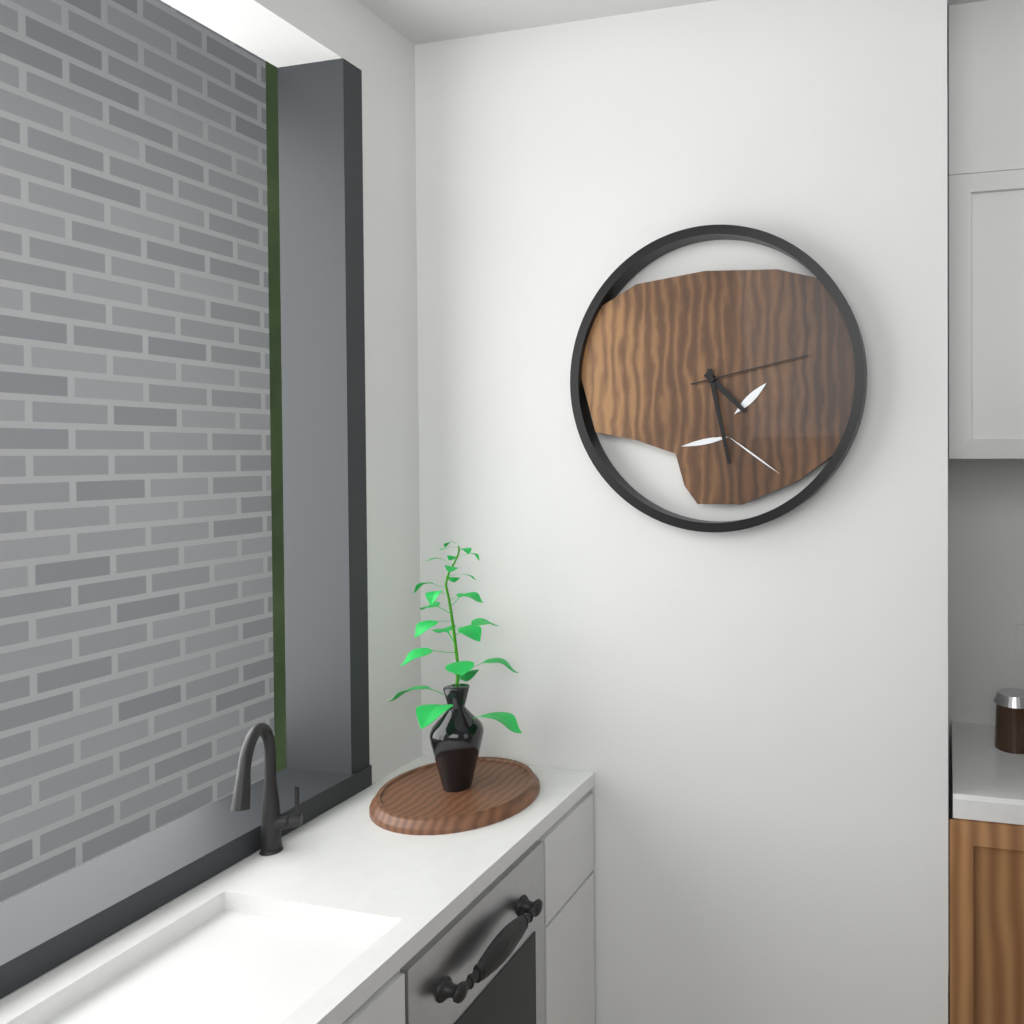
4 h 28 min 13 s
